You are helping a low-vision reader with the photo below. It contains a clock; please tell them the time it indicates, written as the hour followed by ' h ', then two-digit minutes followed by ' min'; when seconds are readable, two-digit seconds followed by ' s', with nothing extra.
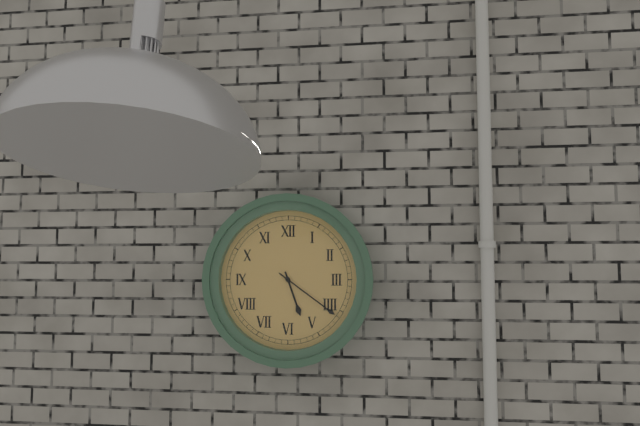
5 h 21 min
